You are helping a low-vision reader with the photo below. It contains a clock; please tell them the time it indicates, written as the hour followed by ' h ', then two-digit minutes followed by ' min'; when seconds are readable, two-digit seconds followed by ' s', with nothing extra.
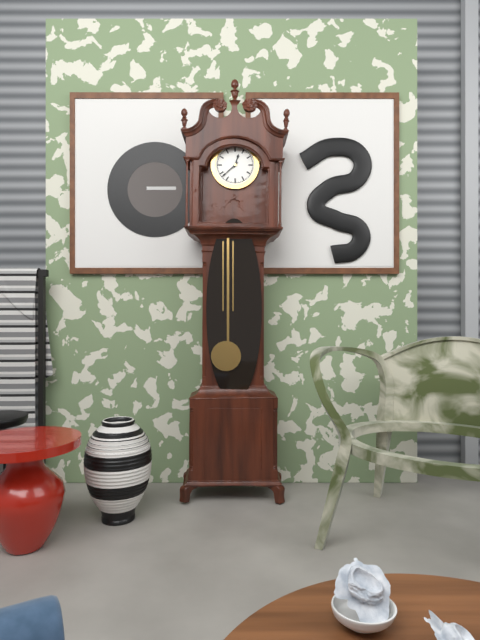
12 h 38 min
